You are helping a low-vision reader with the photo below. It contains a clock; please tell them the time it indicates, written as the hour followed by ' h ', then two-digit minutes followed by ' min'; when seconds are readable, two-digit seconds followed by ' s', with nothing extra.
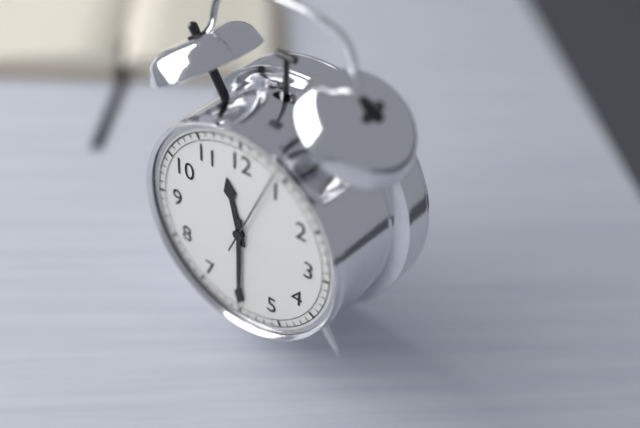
11 h 30 min 04 s
